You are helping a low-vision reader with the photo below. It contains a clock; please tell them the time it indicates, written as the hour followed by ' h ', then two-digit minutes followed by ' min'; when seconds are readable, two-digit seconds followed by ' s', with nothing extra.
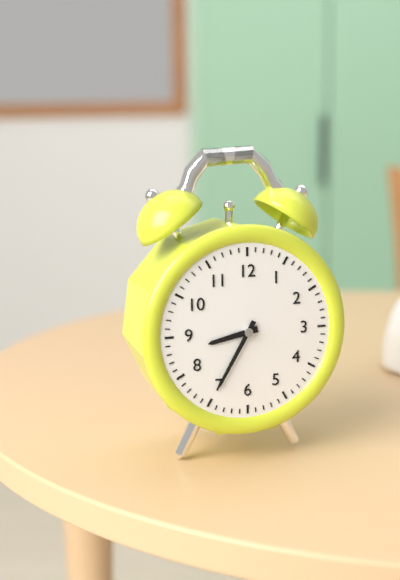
8 h 35 min
